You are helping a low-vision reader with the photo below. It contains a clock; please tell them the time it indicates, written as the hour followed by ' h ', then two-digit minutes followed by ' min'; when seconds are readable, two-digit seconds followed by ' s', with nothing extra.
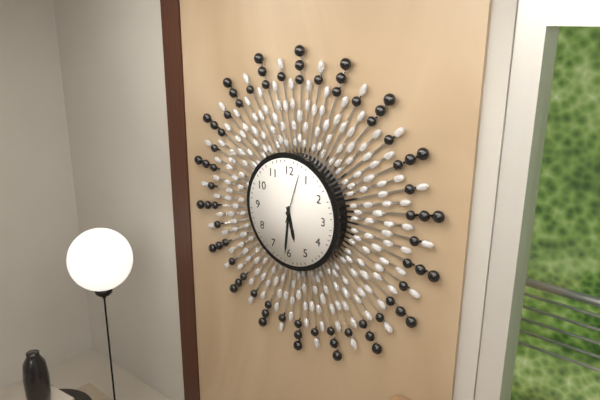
5 h 31 min 03 s
